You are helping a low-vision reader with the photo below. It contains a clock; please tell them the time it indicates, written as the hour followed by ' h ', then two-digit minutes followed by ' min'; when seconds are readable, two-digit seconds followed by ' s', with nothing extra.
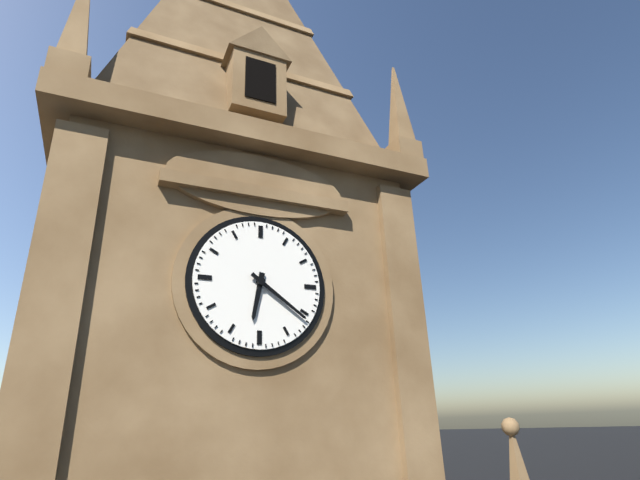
6 h 21 min
